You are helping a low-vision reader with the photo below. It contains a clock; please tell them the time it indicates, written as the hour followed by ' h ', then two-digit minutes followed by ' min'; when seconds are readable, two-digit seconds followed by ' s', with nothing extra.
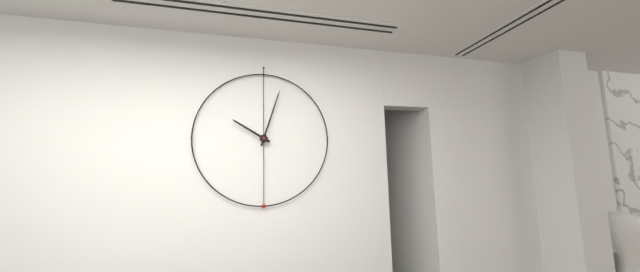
10 h 03 min
